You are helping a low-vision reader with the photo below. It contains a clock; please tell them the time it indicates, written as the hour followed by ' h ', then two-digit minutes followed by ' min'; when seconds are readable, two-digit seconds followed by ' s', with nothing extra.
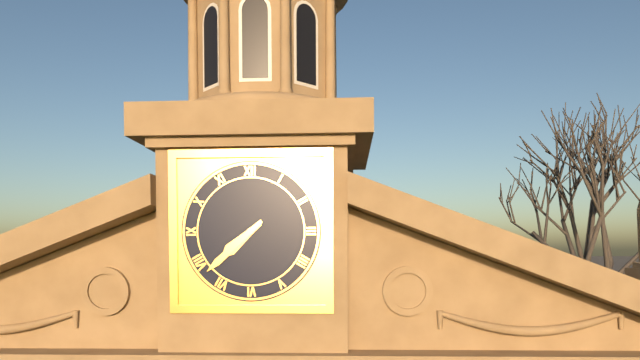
7 h 38 min
